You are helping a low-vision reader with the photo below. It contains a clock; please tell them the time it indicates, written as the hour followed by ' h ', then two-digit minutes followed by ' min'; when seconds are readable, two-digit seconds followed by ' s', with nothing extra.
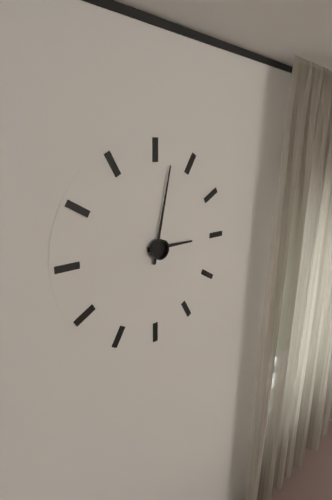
3 h 02 min
